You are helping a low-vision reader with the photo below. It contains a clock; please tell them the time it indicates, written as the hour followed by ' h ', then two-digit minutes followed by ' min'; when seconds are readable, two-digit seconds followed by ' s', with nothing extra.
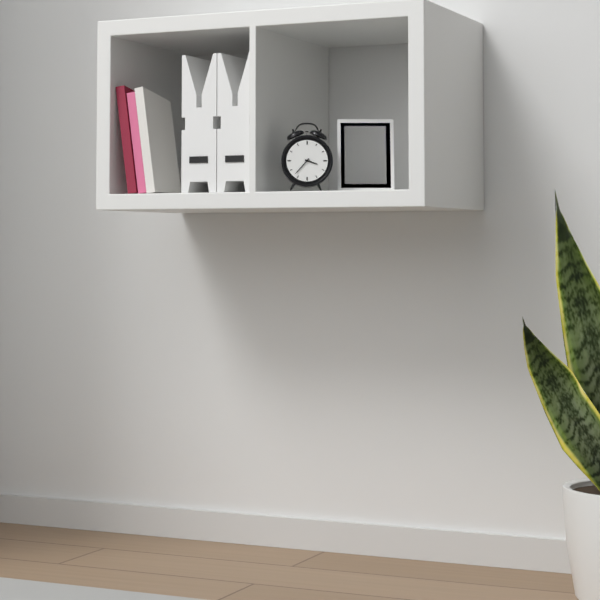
3 h 37 min
